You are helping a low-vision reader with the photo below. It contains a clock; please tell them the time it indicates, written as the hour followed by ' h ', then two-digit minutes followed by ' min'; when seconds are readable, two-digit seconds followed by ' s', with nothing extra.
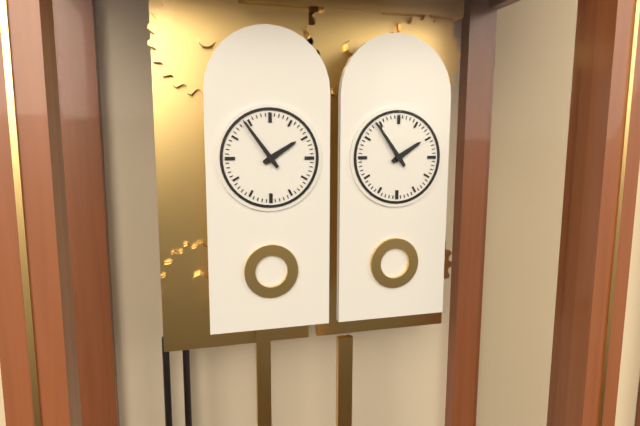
1 h 54 min
